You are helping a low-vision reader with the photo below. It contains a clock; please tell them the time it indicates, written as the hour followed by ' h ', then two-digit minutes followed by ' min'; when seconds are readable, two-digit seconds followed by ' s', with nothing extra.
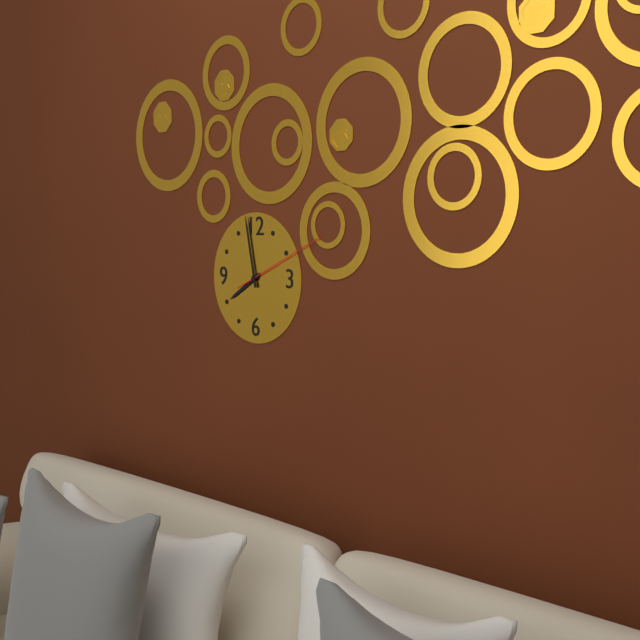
7 h 58 min 11 s
